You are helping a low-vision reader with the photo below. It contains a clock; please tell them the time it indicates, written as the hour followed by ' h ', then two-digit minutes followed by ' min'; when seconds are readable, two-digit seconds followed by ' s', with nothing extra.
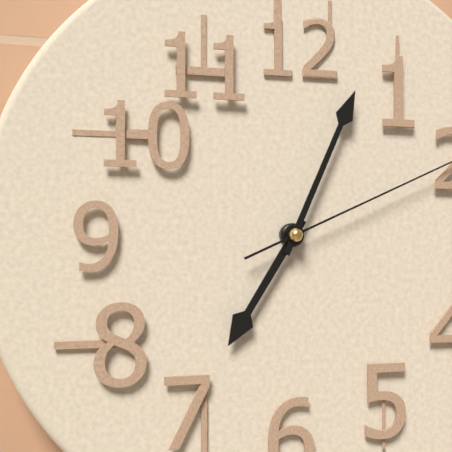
7 h 04 min
